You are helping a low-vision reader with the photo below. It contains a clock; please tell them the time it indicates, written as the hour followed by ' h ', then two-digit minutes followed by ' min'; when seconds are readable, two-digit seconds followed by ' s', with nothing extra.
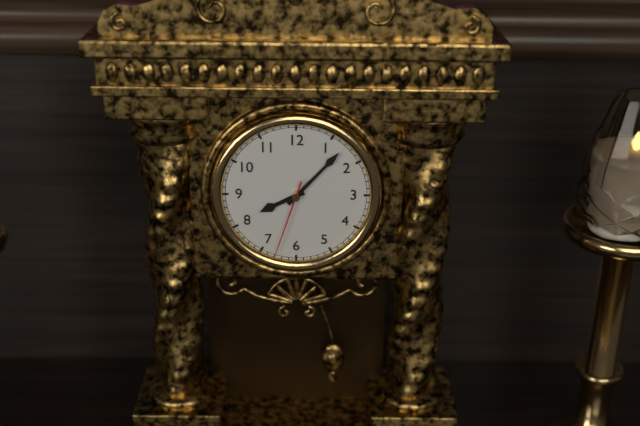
8 h 07 min 33 s
